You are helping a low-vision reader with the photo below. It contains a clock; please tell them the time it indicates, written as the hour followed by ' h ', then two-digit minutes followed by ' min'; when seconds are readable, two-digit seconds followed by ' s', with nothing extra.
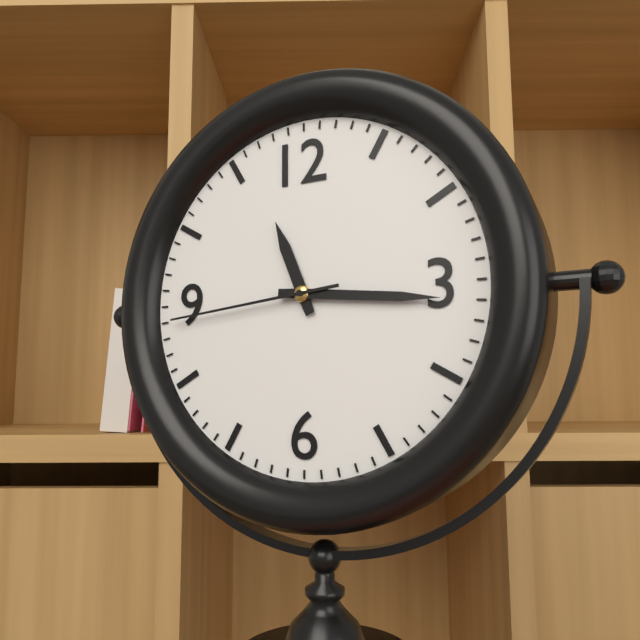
11 h 16 min 44 s
